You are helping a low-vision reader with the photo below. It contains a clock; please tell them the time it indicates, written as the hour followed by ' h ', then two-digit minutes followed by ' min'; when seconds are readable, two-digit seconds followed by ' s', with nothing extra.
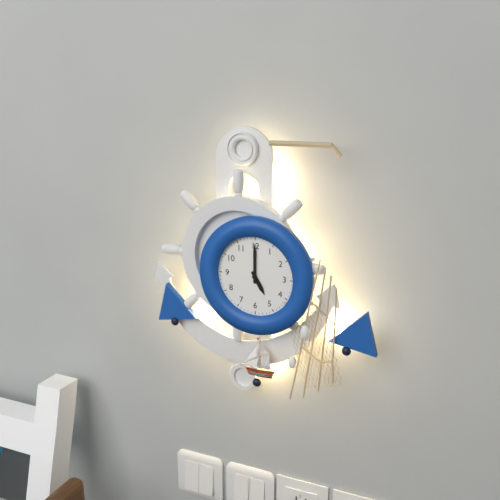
5 h 00 min
